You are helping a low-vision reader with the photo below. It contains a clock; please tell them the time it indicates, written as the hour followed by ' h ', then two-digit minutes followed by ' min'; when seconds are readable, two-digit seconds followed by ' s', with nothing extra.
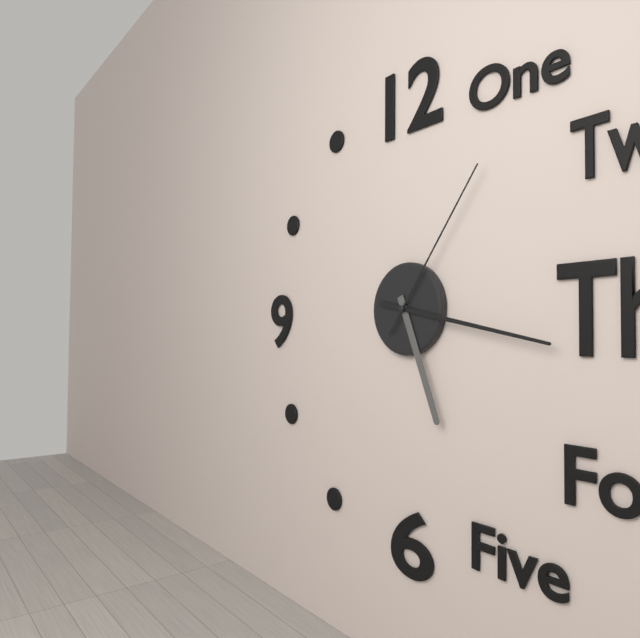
5 h 17 min 06 s
